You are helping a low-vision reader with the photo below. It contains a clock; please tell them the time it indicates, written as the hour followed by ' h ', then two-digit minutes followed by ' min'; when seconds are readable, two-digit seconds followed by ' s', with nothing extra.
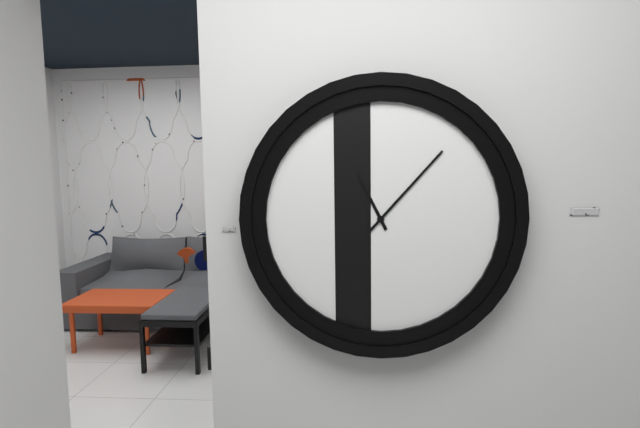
11 h 07 min
